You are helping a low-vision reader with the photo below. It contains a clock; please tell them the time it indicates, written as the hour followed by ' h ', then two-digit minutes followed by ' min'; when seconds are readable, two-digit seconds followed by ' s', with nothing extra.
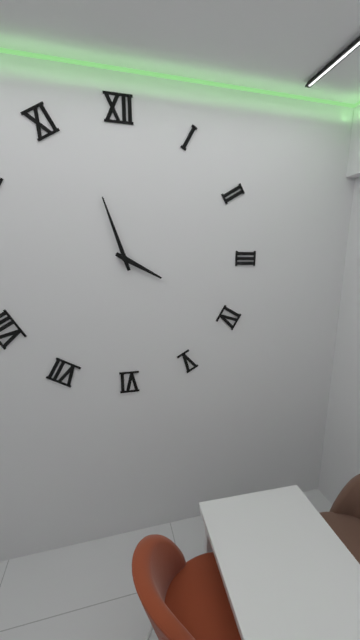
3 h 57 min
